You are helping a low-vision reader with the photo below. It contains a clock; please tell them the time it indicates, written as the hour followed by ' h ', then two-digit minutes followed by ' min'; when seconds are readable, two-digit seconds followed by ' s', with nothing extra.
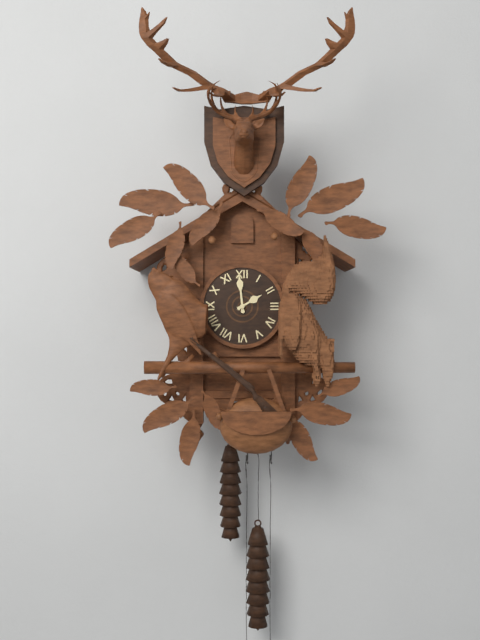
1 h 59 min
